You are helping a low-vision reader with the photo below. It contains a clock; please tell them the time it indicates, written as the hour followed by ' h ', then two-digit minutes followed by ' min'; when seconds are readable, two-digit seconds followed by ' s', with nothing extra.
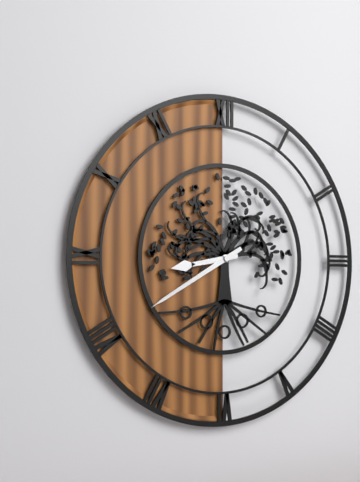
8 h 40 min
